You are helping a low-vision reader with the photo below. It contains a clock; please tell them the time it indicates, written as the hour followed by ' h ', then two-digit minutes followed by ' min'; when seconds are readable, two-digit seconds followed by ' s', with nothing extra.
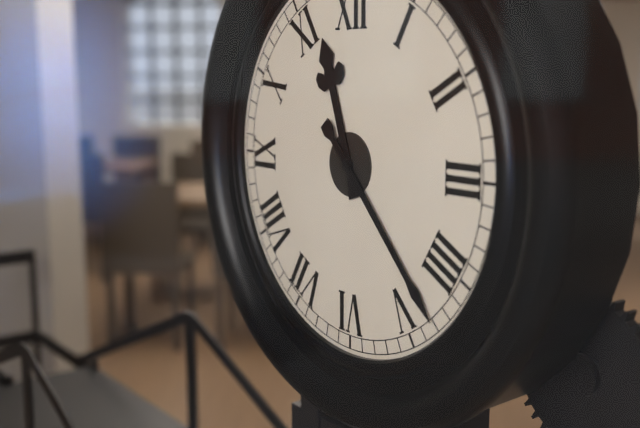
11 h 23 min
